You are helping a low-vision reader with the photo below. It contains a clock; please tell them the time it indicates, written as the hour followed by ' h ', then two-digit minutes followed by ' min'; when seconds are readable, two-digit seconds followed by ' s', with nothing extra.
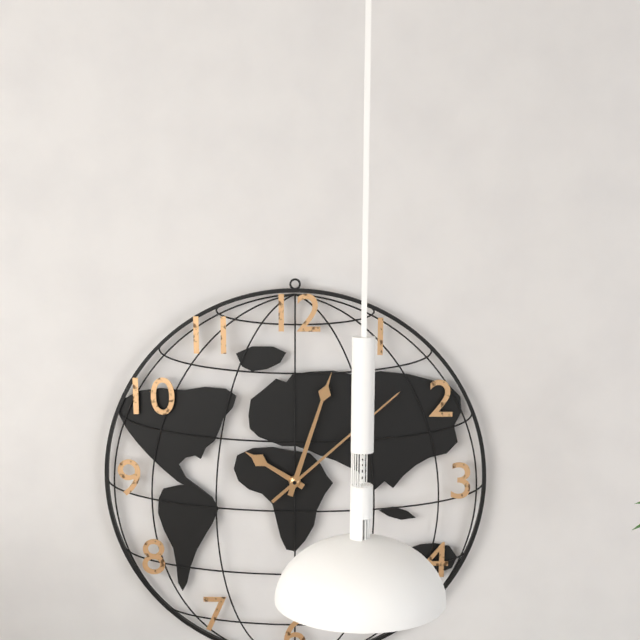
10 h 03 min 08 s
